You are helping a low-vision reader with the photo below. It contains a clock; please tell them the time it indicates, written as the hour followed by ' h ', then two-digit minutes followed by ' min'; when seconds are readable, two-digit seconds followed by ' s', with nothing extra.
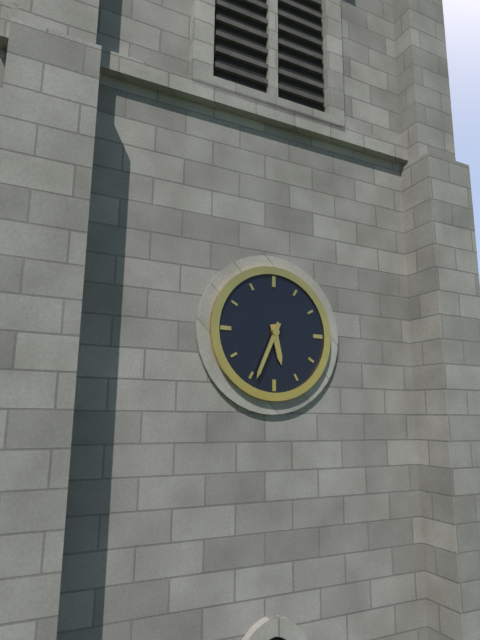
5 h 34 min
